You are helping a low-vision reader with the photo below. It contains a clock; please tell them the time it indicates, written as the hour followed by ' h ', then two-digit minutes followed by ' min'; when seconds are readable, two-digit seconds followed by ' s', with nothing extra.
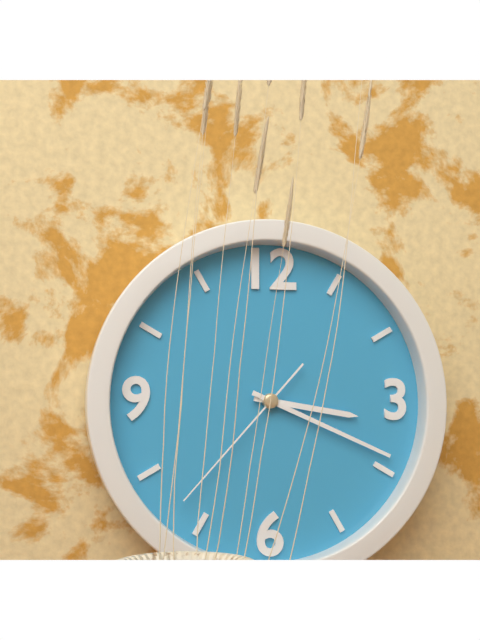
3 h 19 min 37 s
